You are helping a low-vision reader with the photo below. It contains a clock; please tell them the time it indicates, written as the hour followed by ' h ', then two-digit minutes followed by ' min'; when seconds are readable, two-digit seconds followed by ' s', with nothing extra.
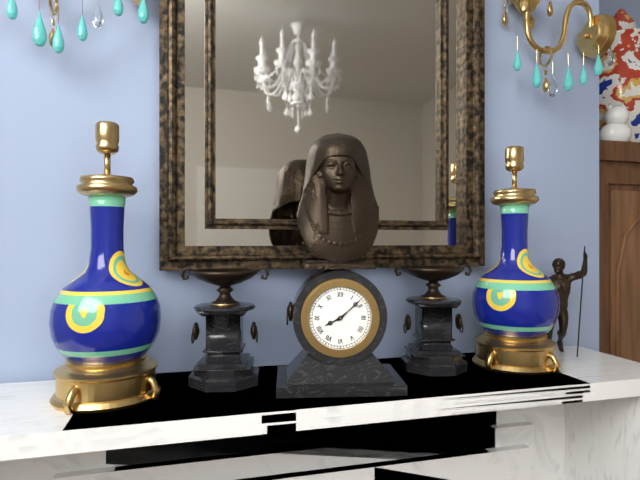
8 h 08 min
